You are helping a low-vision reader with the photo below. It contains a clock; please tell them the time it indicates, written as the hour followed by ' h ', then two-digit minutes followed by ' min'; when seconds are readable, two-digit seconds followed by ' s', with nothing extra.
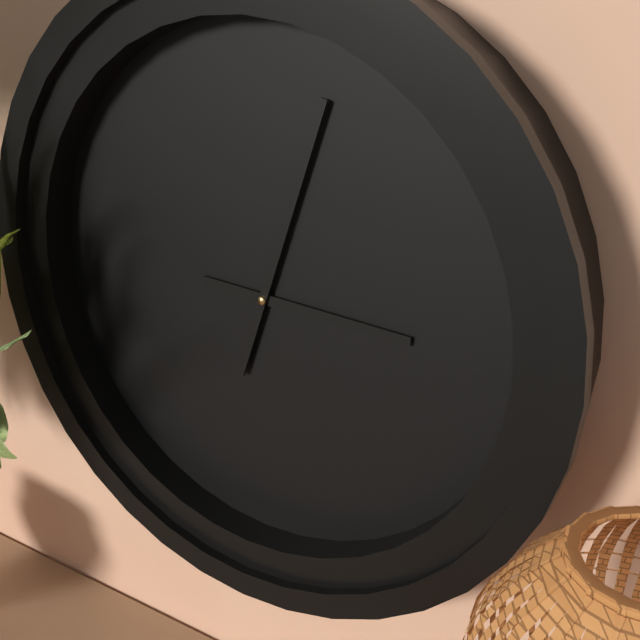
3 h 03 min
